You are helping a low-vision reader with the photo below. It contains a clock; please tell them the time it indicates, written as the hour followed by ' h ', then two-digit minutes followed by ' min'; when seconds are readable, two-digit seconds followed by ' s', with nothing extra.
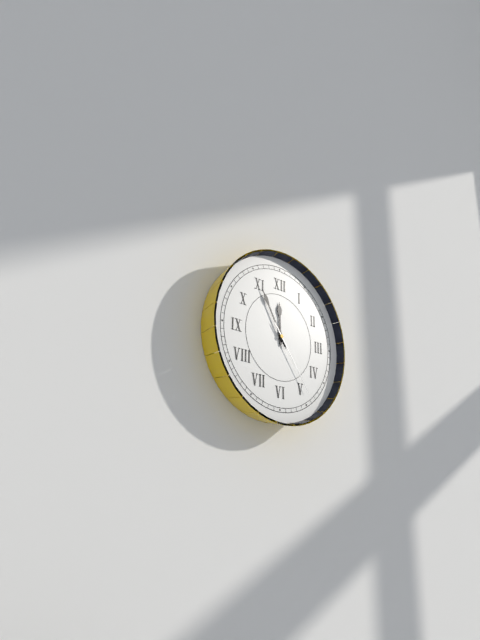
11 h 55 min 24 s
